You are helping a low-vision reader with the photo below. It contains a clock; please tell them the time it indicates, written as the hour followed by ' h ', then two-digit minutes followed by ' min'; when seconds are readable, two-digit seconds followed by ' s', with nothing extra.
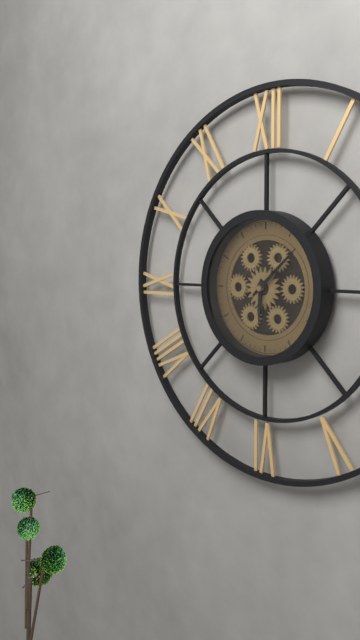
6 h 08 min
